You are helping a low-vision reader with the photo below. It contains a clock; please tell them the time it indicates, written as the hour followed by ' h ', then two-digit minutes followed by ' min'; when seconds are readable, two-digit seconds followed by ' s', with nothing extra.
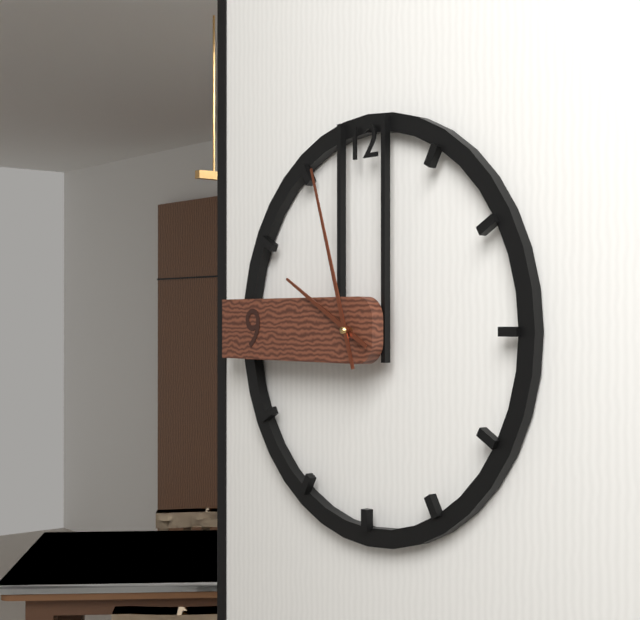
9 h 57 min
